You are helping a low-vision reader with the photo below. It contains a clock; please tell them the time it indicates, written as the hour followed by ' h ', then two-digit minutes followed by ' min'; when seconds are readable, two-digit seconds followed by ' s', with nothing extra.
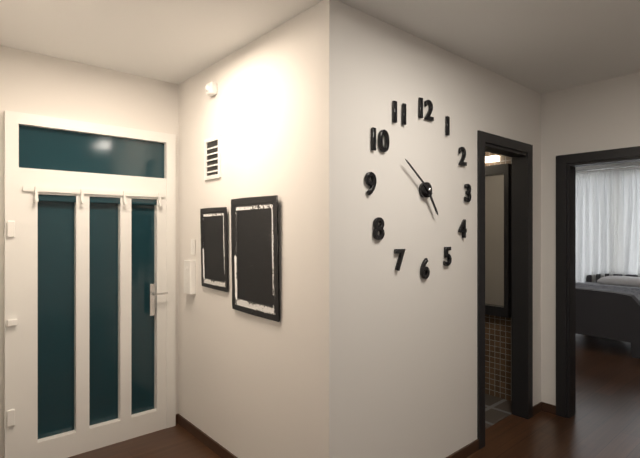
4 h 51 min
